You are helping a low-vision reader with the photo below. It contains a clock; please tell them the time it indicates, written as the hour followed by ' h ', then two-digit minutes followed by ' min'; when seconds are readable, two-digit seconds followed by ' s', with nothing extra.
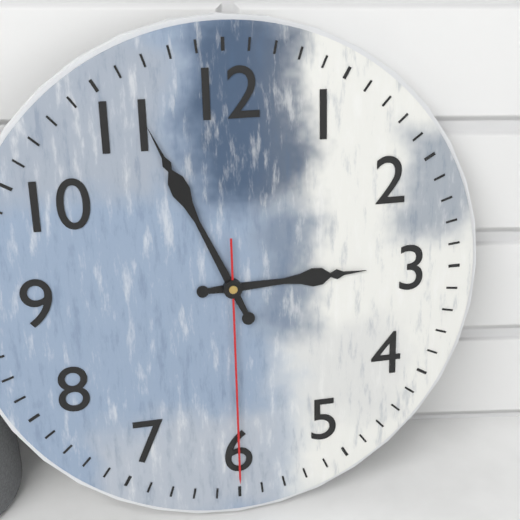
2 h 56 min 30 s
